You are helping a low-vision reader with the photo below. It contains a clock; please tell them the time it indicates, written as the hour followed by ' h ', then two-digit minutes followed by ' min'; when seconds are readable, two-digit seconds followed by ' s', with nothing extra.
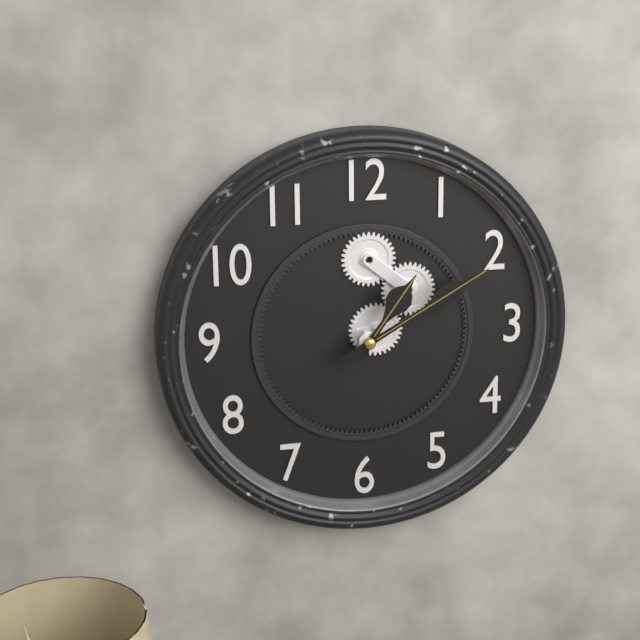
1 h 10 min
